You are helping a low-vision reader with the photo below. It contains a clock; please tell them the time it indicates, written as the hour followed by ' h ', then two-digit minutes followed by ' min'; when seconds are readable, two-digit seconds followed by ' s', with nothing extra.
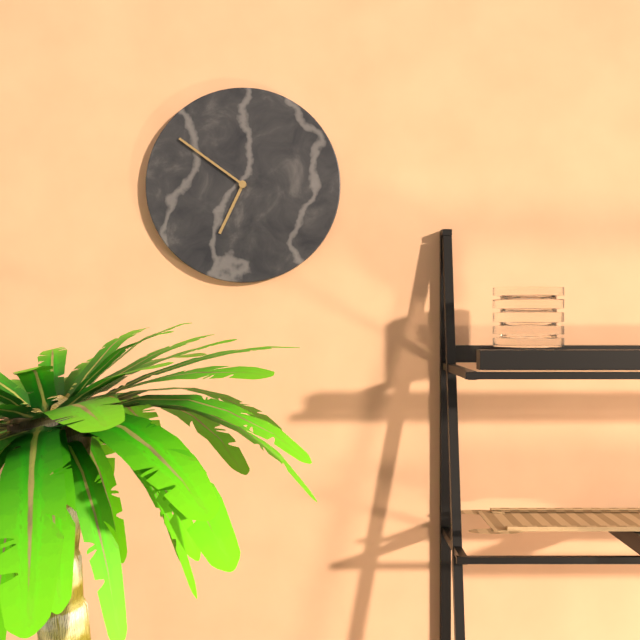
6 h 51 min
